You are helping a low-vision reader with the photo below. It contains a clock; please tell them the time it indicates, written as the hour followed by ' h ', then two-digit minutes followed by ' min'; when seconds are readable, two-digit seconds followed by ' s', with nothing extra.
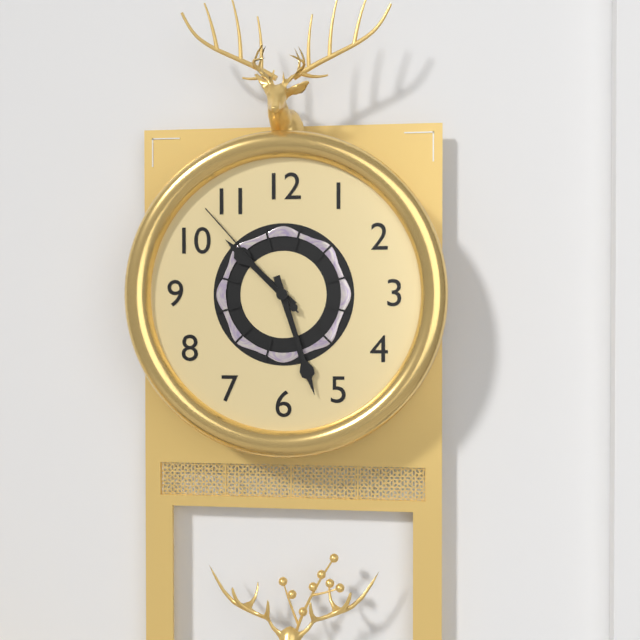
10 h 27 min 53 s
